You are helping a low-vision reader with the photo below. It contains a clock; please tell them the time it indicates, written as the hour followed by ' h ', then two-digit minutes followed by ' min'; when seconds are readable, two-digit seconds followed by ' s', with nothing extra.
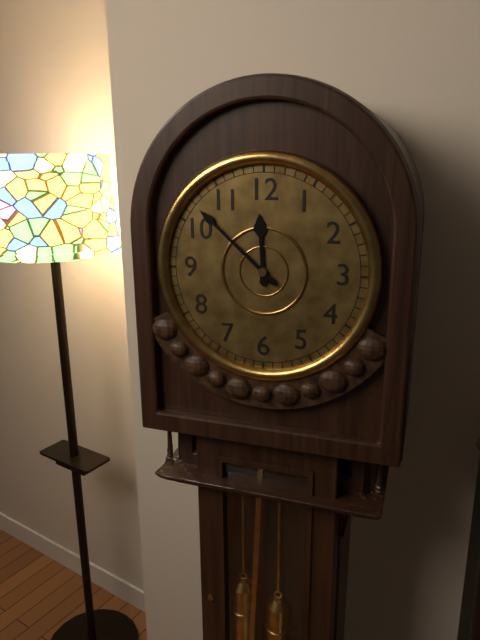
11 h 52 min
